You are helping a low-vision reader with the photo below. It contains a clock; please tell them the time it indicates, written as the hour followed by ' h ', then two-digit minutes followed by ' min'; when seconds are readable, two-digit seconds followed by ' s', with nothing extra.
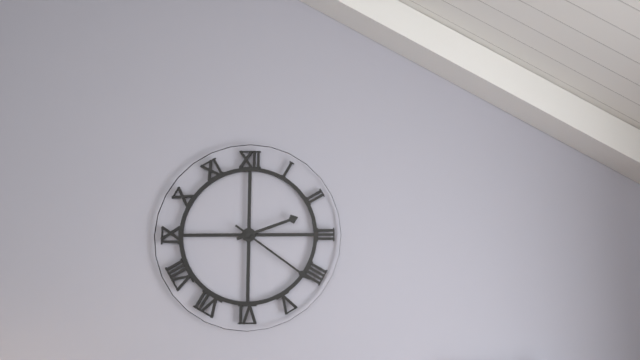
2 h 21 min
